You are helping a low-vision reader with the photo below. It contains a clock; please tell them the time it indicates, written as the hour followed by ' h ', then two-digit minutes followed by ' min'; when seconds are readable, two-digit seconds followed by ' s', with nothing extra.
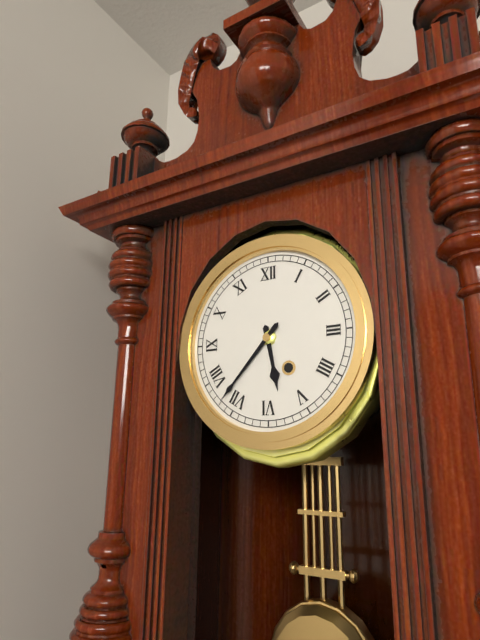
5 h 37 min
